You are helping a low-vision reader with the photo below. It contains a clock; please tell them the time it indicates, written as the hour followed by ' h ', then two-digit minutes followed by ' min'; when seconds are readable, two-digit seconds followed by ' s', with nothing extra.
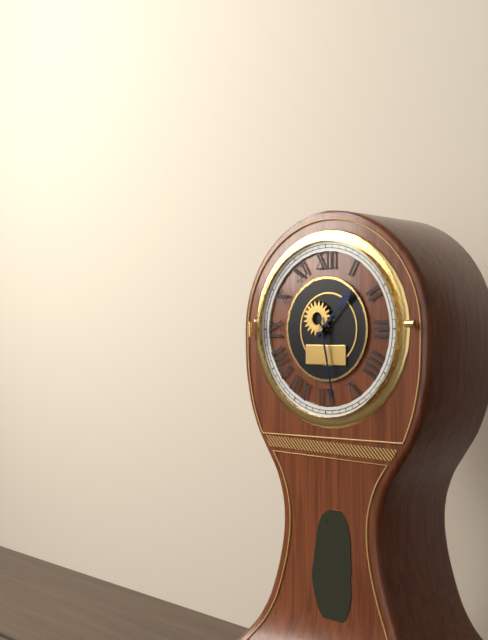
1 h 28 min
